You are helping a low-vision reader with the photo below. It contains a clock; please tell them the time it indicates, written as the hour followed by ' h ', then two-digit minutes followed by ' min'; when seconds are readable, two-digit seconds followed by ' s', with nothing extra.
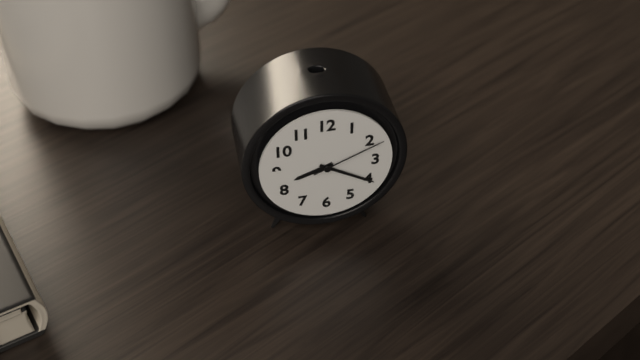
8 h 20 min 11 s
